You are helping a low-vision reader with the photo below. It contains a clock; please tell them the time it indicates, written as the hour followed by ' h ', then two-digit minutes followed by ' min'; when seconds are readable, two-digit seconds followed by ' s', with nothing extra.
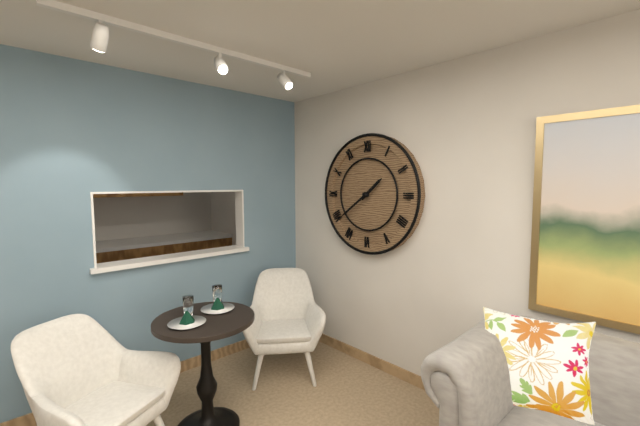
1 h 39 min
